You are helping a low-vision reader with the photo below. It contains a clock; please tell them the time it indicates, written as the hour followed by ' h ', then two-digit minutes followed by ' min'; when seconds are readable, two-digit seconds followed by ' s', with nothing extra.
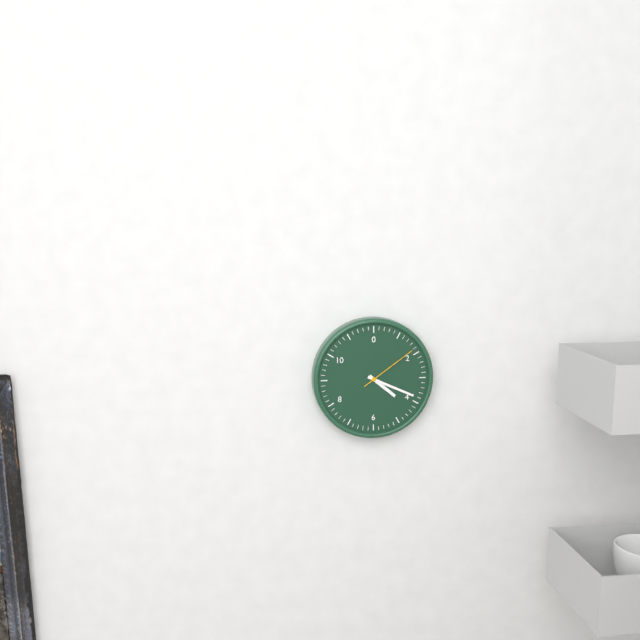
4 h 19 min 09 s
